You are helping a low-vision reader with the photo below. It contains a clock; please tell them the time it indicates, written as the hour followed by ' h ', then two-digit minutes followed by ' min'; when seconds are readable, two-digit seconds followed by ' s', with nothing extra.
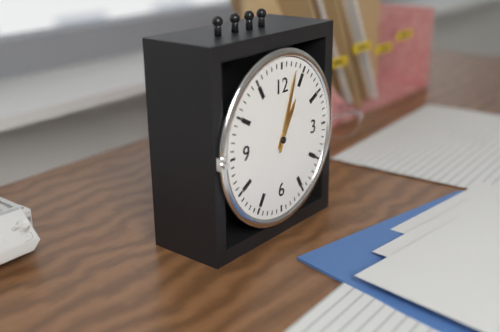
1 h 03 min
